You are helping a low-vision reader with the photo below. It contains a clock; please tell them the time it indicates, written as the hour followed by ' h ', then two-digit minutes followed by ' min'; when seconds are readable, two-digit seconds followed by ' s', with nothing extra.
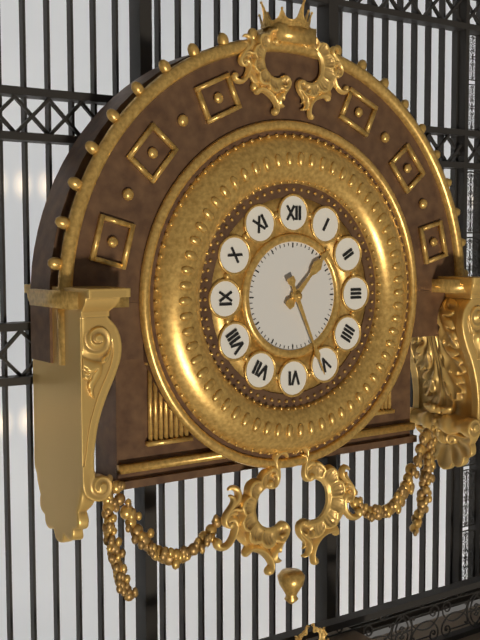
1 h 26 min
